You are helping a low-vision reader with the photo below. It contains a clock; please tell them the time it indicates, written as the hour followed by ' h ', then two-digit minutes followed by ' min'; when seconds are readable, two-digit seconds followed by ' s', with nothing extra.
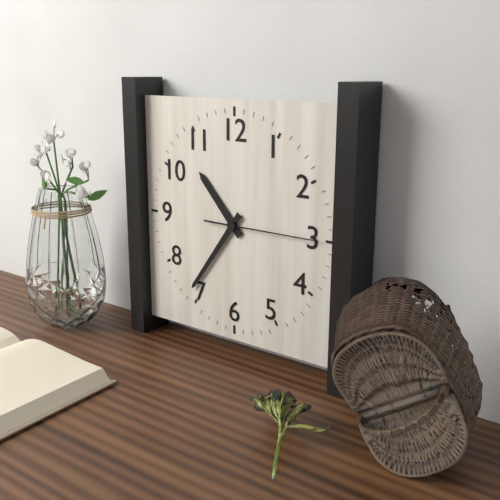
10 h 36 min 15 s
